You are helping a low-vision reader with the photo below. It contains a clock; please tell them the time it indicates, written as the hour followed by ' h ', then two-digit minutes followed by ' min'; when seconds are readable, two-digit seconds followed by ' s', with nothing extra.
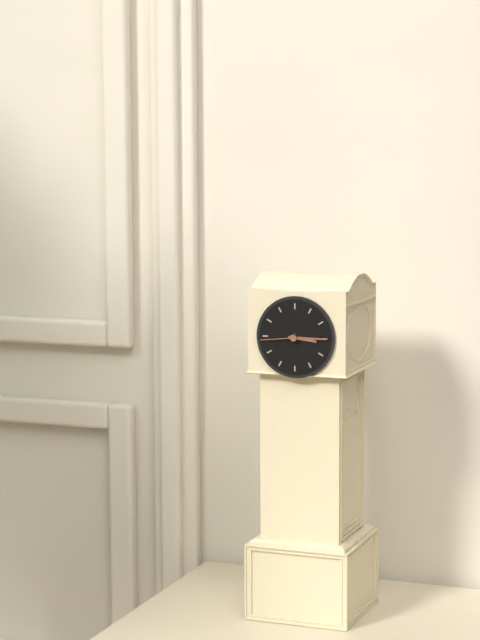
3 h 15 min
